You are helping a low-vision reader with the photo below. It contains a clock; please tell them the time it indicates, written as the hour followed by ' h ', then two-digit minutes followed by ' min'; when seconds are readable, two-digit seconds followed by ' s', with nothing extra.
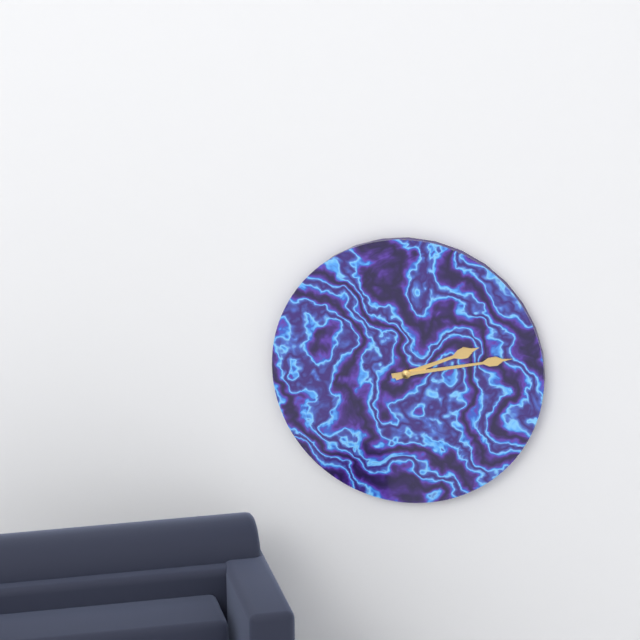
2 h 13 min
